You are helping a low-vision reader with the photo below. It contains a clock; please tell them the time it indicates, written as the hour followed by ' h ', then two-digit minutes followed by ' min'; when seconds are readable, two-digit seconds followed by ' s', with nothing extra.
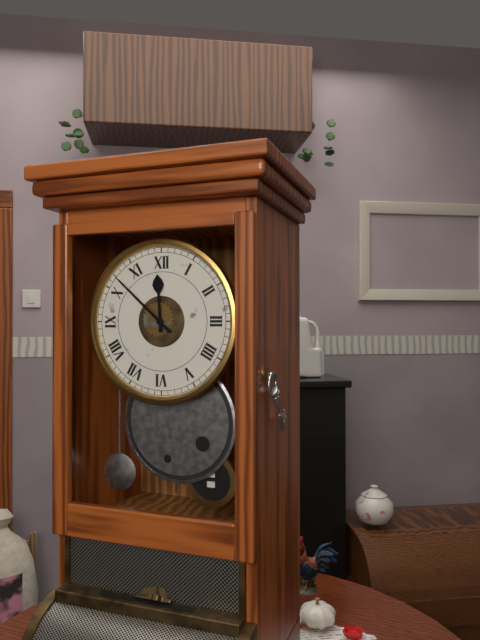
11 h 52 min
